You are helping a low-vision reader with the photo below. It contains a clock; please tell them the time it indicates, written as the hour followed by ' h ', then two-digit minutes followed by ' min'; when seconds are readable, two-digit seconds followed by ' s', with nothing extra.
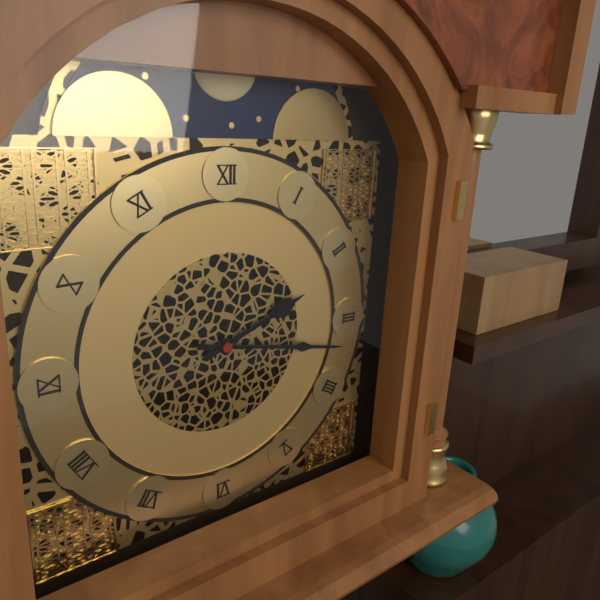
2 h 17 min
